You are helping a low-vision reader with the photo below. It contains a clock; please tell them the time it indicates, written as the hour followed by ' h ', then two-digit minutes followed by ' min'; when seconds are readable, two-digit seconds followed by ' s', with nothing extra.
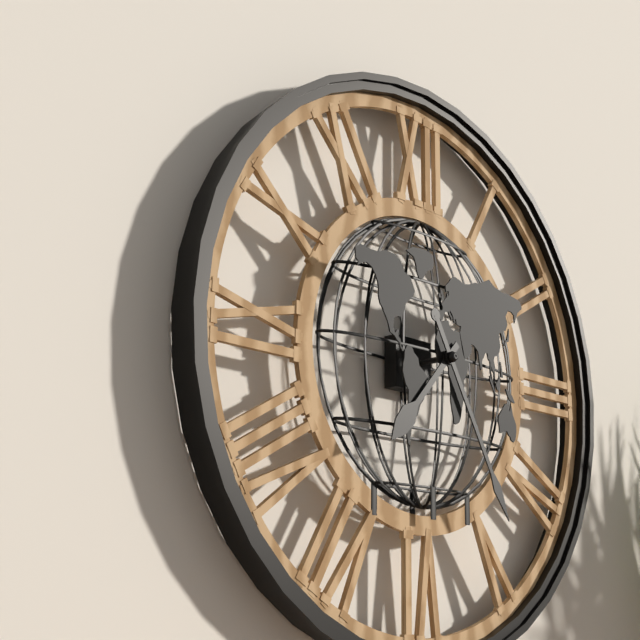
7 h 25 min
